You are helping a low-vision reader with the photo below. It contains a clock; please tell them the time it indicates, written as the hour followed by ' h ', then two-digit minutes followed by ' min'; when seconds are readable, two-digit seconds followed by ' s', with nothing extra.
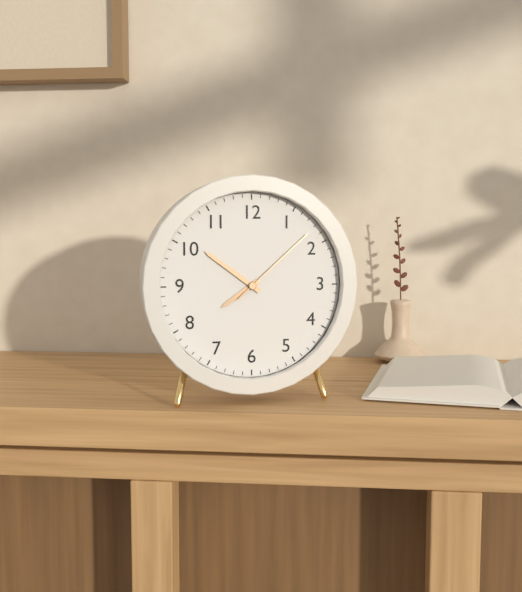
7 h 51 min 08 s
